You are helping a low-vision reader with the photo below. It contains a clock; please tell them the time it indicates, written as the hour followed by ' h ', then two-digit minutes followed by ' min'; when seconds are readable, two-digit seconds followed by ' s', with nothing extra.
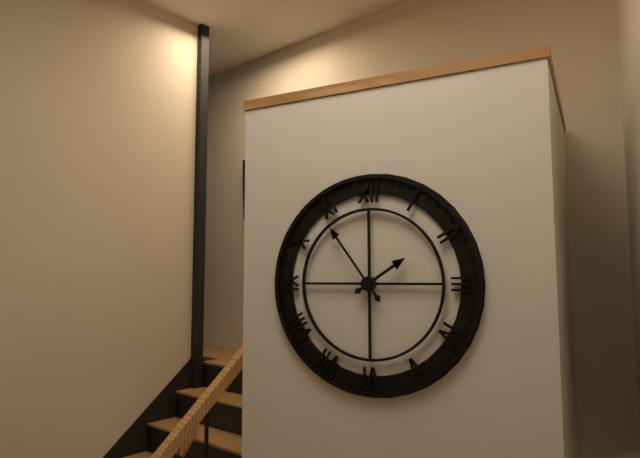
1 h 54 min
